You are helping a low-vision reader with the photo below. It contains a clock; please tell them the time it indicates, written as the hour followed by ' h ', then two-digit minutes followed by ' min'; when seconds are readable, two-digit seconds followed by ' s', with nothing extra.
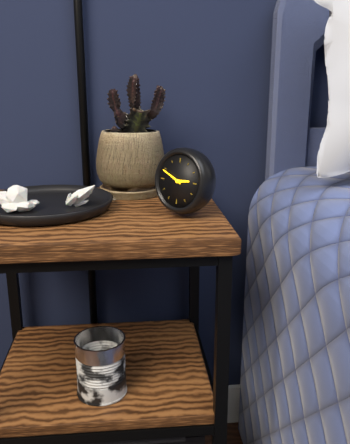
2 h 49 min
